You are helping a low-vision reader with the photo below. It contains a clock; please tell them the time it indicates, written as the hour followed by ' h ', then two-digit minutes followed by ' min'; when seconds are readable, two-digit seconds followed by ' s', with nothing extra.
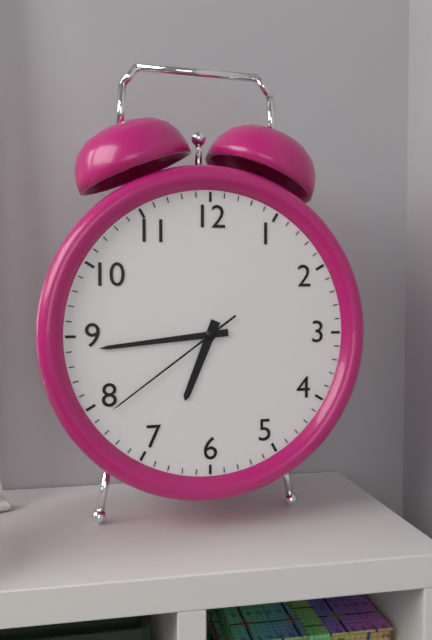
6 h 44 min 39 s
